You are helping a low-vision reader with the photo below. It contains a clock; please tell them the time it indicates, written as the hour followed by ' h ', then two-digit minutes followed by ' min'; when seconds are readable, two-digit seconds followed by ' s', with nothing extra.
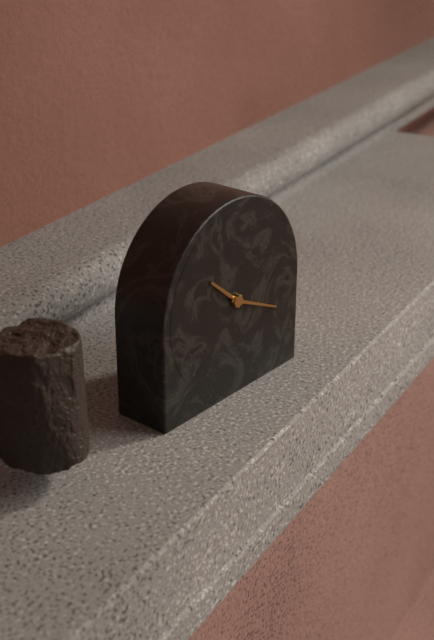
10 h 19 min
